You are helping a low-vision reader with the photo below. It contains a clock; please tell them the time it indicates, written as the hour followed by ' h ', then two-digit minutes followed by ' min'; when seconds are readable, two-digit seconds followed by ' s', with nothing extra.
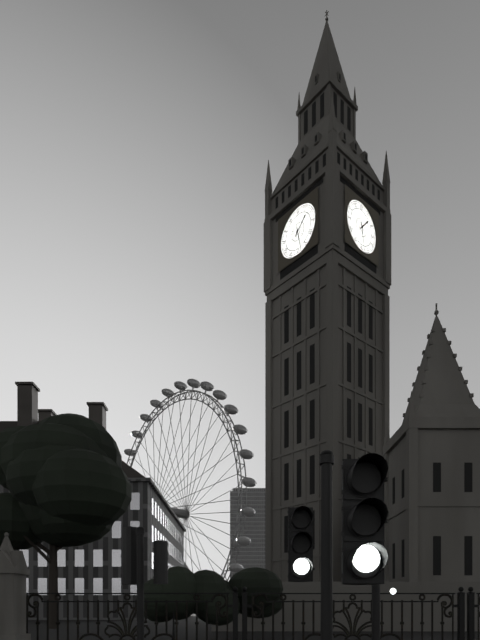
1 h 28 min
